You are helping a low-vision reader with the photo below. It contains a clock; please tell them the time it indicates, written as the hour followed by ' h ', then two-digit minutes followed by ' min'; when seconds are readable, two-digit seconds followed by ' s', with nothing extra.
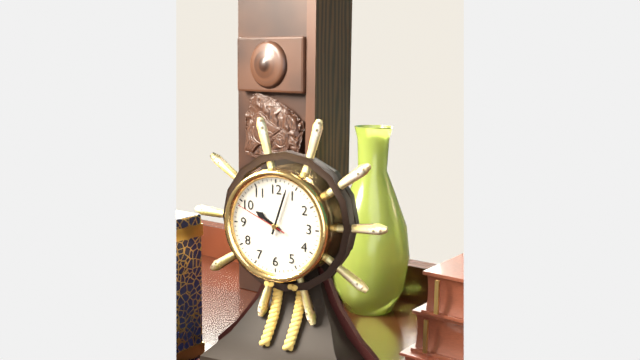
10 h 03 min 49 s
